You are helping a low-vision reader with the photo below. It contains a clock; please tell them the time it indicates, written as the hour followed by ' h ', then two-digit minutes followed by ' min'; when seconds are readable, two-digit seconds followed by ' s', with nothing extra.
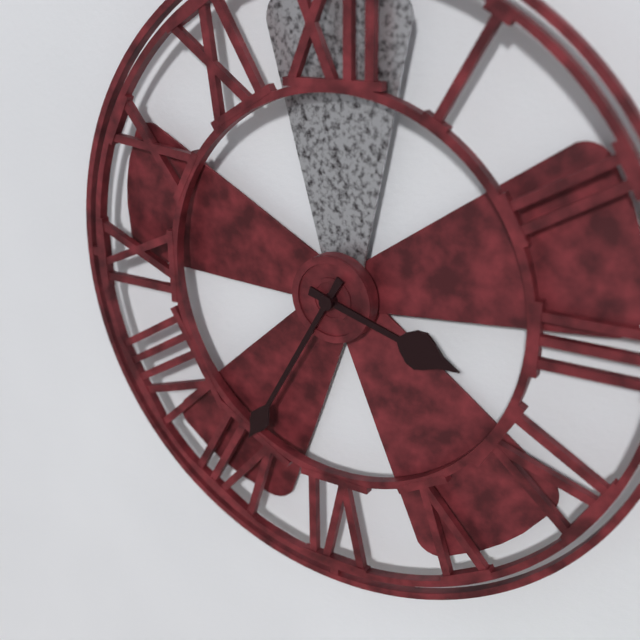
3 h 35 min
